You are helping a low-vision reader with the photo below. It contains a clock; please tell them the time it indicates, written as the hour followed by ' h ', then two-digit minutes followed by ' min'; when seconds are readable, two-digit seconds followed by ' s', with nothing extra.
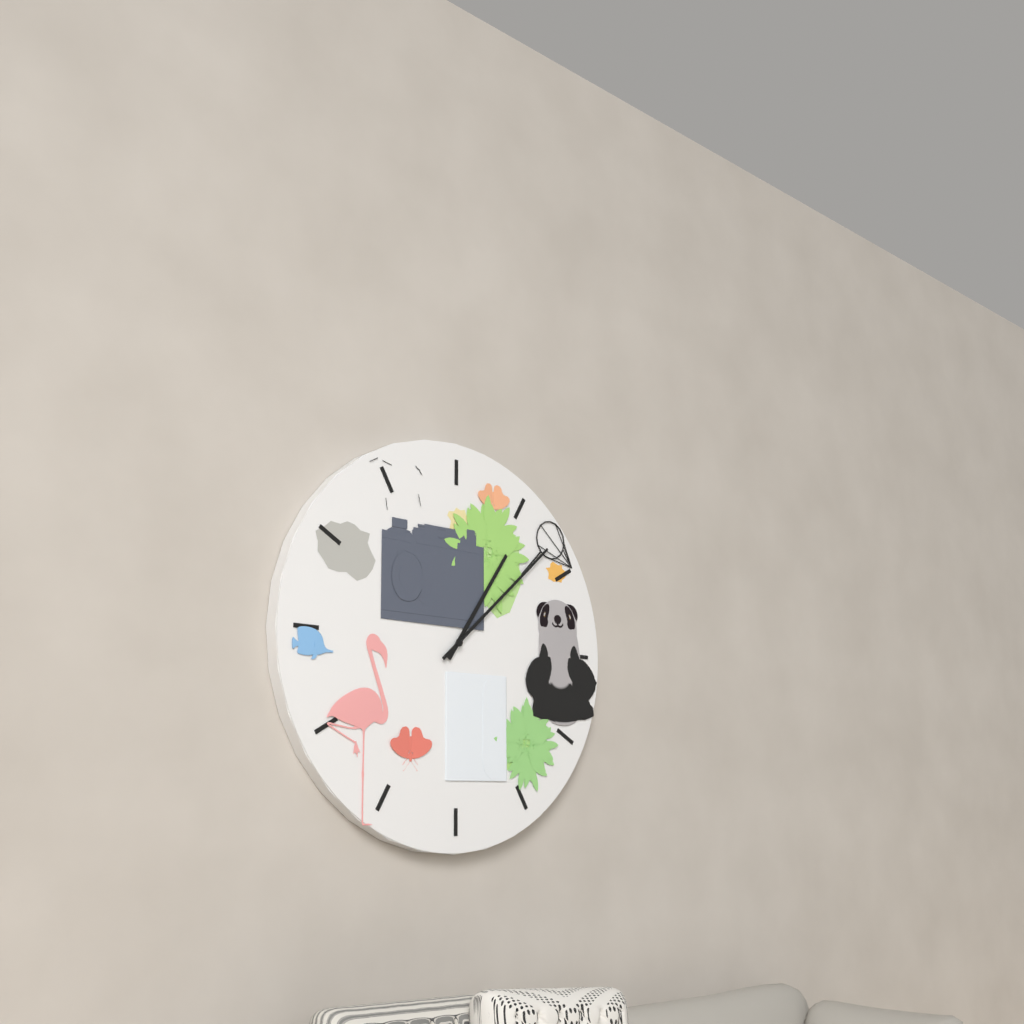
1 h 08 min
